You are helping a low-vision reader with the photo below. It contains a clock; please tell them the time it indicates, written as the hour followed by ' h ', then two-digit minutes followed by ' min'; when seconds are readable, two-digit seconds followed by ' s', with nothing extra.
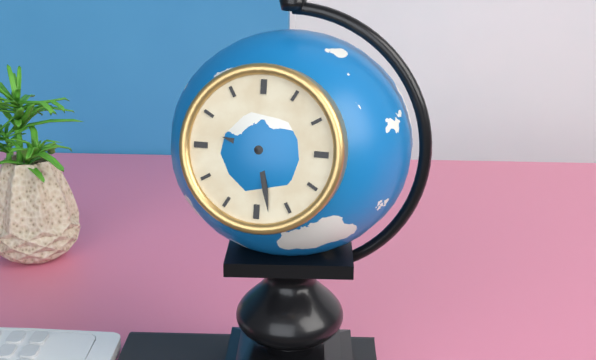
9 h 28 min
